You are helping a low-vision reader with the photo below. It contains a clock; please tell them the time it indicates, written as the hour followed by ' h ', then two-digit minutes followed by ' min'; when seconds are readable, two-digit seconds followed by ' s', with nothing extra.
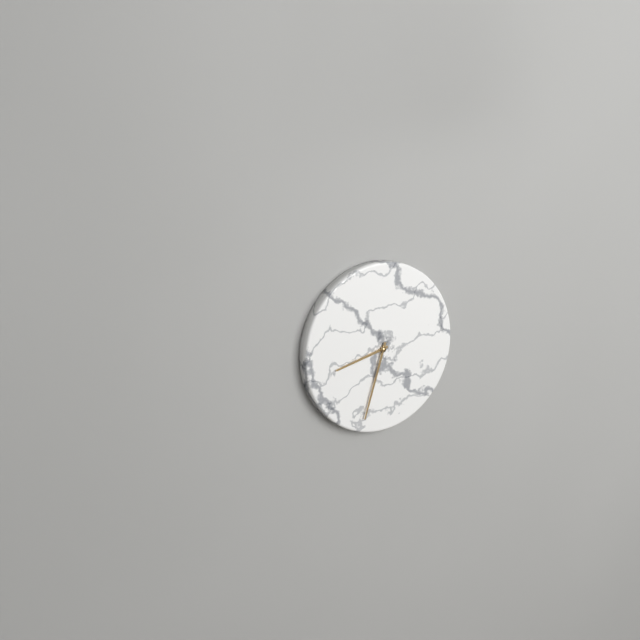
8 h 33 min
